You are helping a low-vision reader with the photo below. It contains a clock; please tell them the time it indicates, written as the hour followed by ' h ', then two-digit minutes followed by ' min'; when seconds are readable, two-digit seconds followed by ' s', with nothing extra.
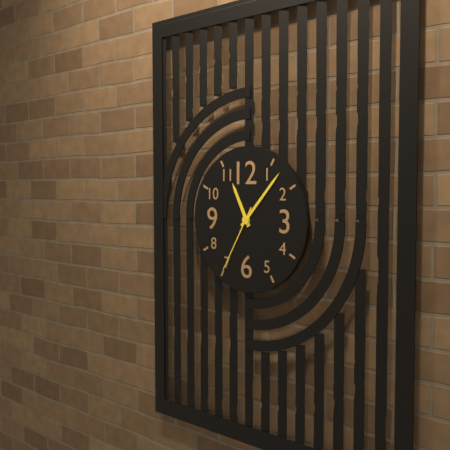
11 h 07 min 35 s
